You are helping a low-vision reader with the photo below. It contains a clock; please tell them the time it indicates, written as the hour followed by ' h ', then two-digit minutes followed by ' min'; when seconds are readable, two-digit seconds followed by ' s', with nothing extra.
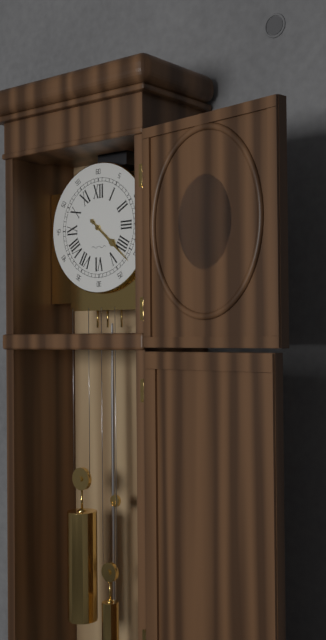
4 h 22 min
